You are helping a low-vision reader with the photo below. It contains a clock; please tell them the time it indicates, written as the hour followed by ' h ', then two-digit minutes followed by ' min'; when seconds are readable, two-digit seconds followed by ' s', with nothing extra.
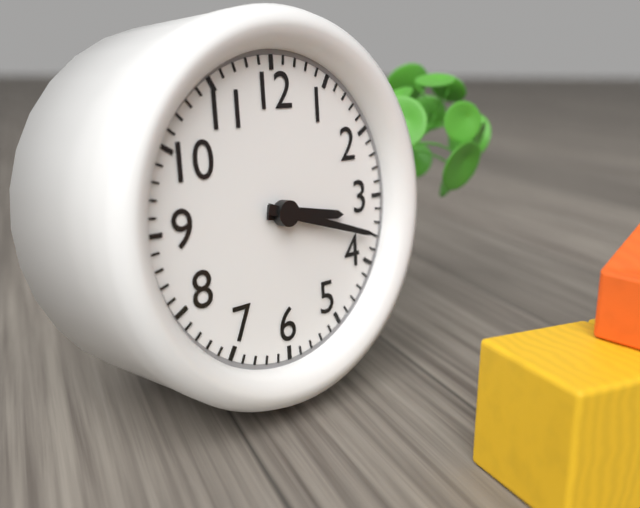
3 h 18 min
